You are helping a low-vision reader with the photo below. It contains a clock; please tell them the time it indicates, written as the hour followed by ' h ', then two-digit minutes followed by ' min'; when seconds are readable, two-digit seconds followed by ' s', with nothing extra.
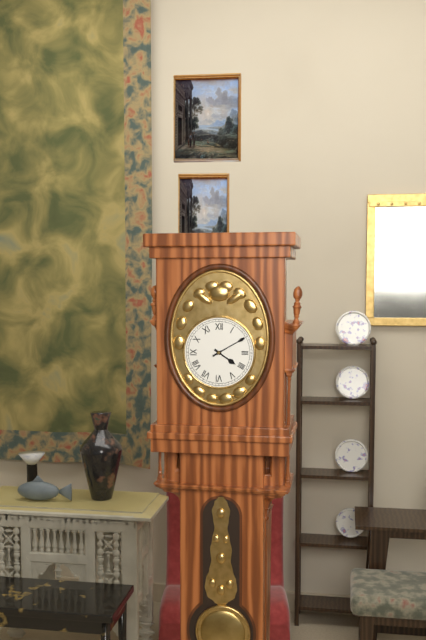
4 h 10 min
